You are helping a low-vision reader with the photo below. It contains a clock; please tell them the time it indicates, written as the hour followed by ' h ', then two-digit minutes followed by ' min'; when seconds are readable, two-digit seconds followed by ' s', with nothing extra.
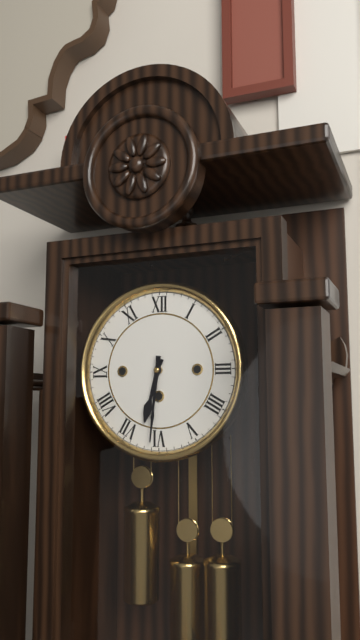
6 h 31 min
